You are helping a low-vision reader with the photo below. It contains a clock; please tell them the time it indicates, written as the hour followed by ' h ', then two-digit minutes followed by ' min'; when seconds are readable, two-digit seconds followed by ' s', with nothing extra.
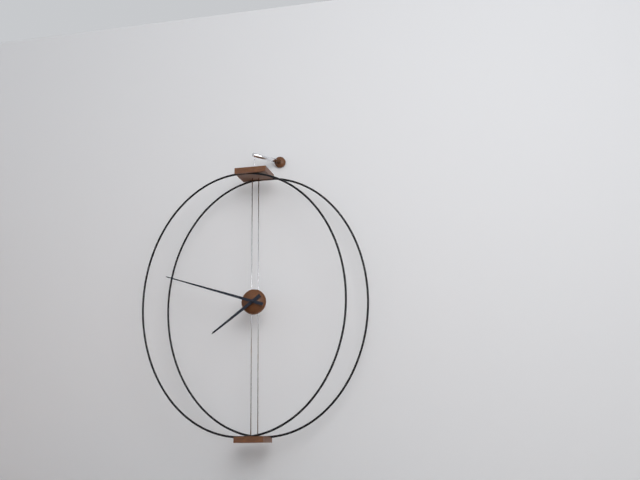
7 h 48 min
